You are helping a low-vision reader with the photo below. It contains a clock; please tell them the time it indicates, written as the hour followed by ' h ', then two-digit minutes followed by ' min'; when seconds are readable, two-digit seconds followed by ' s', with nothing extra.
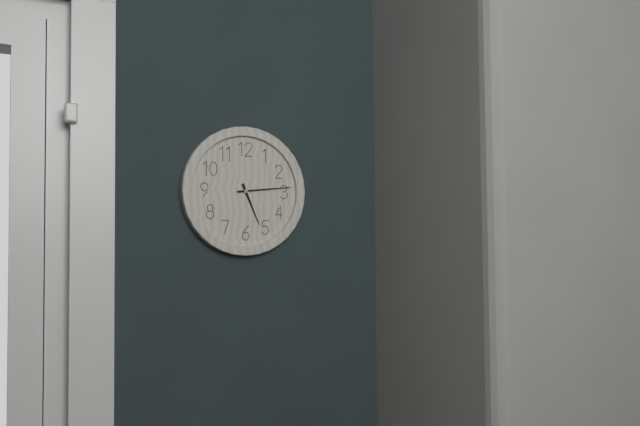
5 h 14 min
